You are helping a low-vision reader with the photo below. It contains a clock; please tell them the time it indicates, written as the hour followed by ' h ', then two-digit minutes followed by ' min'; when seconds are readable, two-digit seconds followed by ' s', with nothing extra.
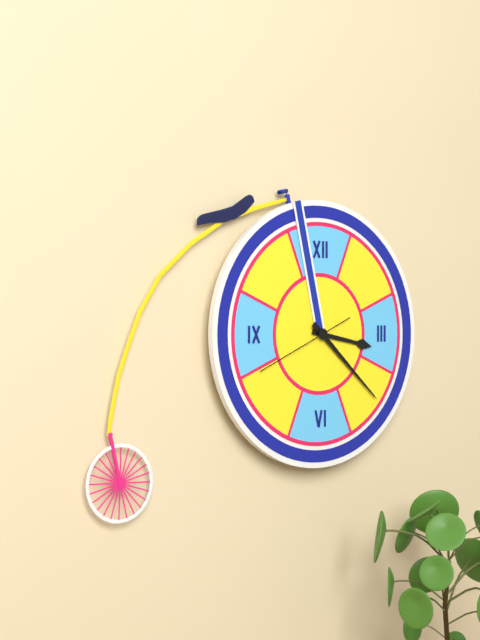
3 h 22 min 41 s
